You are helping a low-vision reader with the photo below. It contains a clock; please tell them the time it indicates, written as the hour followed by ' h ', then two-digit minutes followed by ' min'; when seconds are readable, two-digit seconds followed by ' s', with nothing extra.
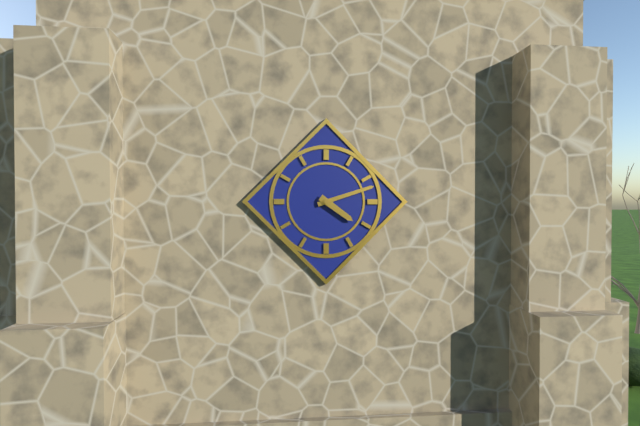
4 h 12 min
